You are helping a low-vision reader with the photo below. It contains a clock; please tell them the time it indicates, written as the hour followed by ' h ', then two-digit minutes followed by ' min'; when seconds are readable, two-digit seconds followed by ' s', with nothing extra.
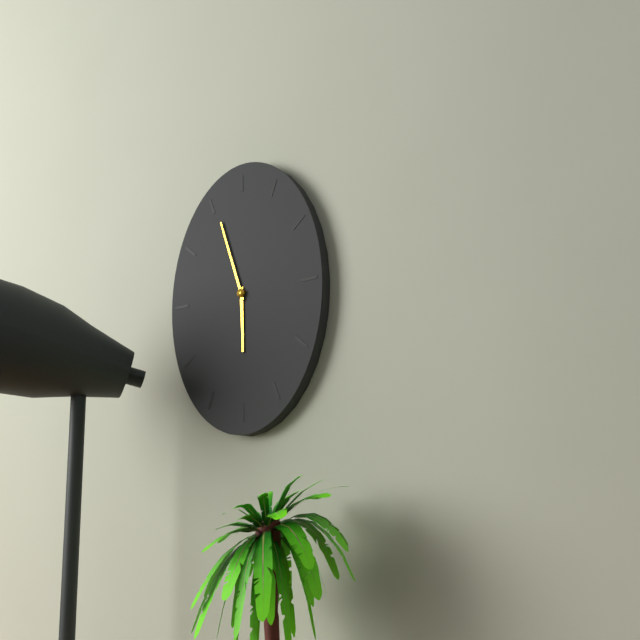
5 h 57 min
